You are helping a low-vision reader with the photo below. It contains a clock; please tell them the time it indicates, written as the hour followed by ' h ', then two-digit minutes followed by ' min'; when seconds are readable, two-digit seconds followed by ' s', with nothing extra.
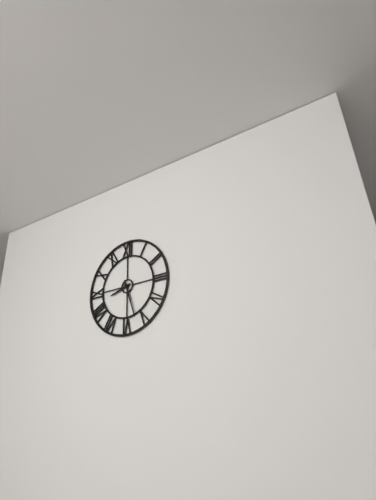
8 h 27 min
